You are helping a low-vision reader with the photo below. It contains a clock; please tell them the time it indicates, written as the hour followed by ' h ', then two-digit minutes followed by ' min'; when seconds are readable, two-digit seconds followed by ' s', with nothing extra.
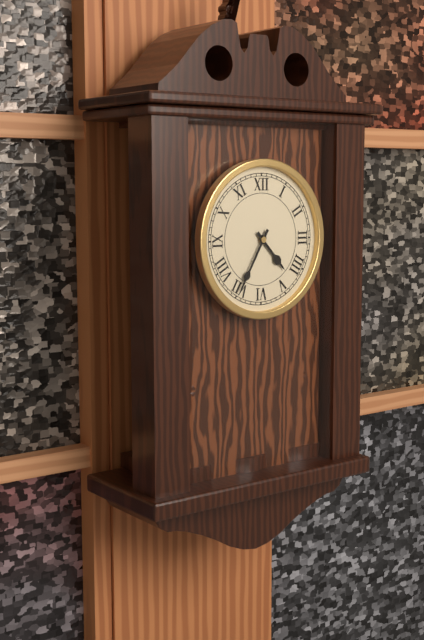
4 h 35 min
